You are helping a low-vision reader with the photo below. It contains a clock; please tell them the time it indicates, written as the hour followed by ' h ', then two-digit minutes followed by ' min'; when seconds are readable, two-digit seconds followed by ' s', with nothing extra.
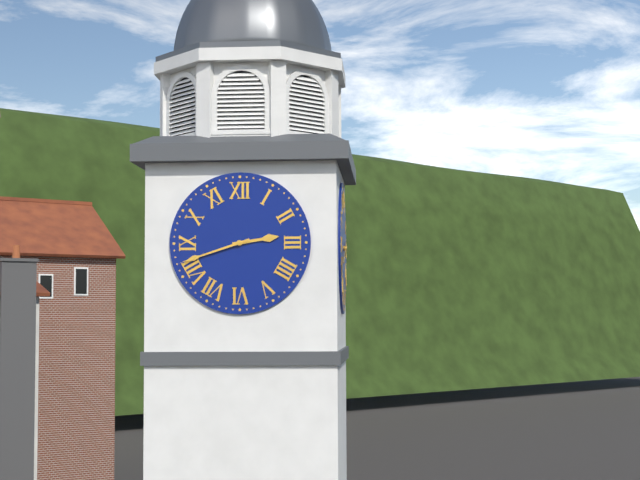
2 h 42 min
